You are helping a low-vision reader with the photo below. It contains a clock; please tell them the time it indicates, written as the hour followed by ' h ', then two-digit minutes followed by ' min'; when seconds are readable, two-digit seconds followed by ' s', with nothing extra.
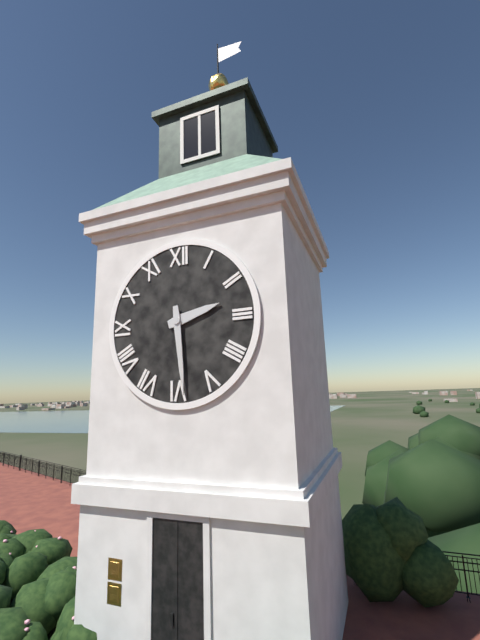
2 h 29 min
